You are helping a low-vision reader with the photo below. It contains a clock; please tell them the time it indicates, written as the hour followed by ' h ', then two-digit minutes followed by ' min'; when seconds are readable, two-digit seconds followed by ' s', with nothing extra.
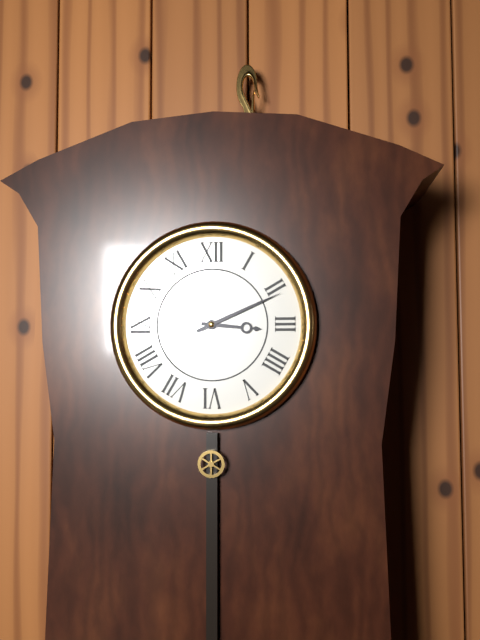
3 h 11 min
